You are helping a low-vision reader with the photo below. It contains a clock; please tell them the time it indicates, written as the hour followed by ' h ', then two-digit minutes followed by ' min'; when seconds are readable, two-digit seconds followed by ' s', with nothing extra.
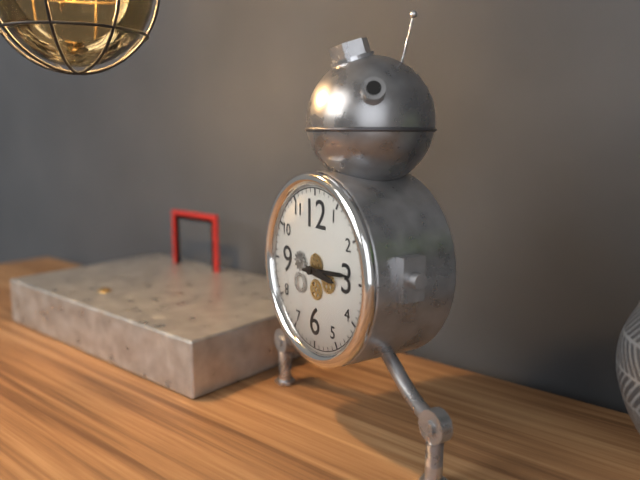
3 h 14 min
